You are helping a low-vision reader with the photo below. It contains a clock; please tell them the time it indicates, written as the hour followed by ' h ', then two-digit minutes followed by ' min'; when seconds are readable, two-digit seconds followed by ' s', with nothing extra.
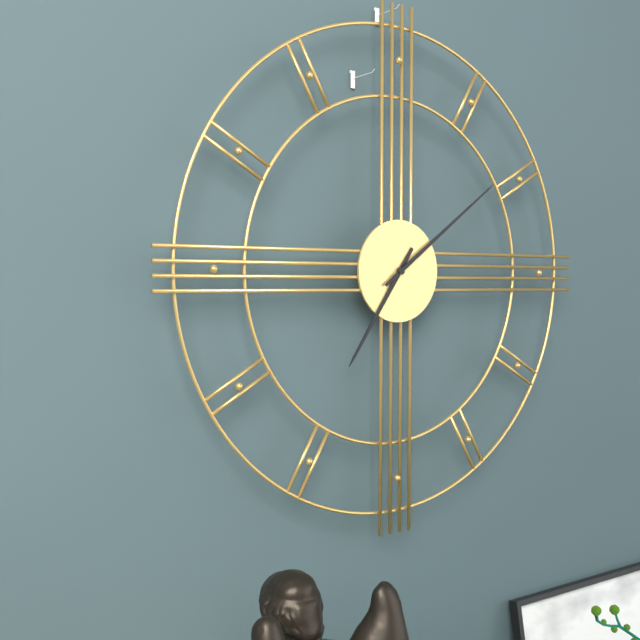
7 h 09 min
